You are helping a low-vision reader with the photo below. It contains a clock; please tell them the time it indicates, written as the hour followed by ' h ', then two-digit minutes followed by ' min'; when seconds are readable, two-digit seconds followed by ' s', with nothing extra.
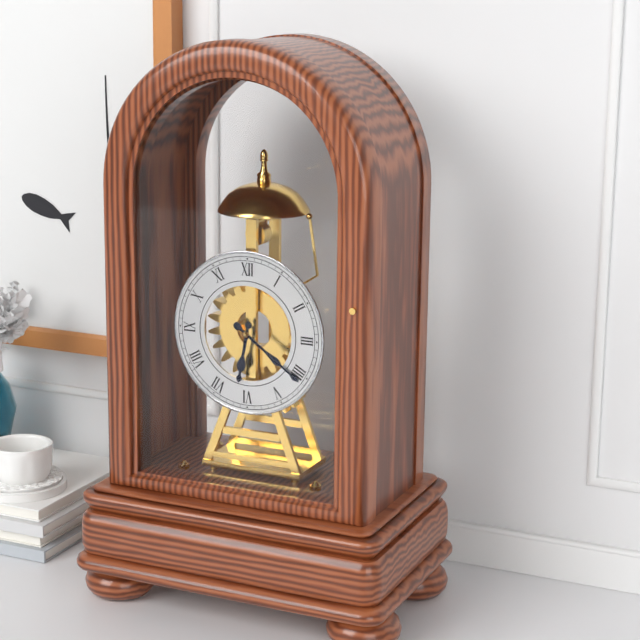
6 h 21 min
